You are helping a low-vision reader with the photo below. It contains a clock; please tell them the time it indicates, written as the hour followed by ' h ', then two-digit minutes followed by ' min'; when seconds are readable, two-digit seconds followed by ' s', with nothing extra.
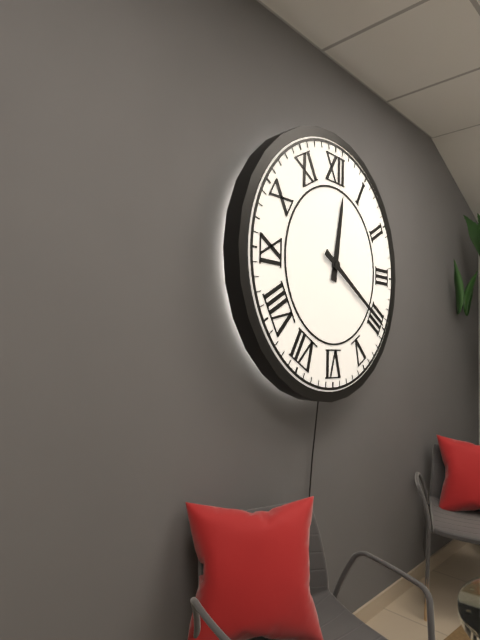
12 h 20 min
